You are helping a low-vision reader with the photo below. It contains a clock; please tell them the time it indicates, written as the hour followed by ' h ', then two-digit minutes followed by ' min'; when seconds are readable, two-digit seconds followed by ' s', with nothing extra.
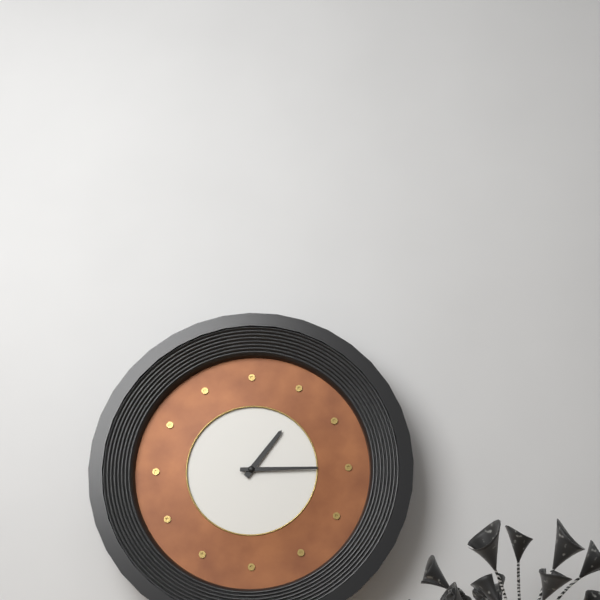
1 h 15 min
